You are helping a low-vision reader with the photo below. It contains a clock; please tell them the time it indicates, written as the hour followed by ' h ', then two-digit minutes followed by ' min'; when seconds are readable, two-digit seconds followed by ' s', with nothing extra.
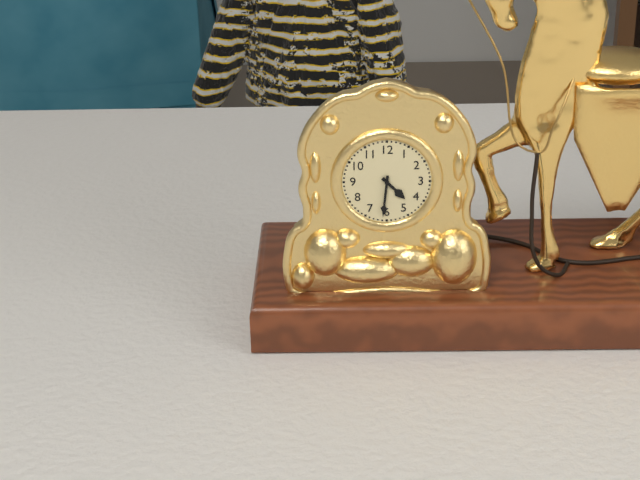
4 h 31 min
